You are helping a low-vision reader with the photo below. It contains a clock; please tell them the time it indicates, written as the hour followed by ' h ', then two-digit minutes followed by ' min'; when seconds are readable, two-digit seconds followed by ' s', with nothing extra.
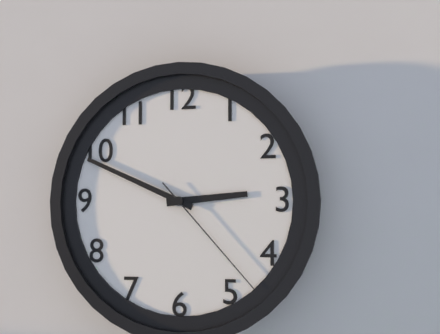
2 h 49 min 23 s
